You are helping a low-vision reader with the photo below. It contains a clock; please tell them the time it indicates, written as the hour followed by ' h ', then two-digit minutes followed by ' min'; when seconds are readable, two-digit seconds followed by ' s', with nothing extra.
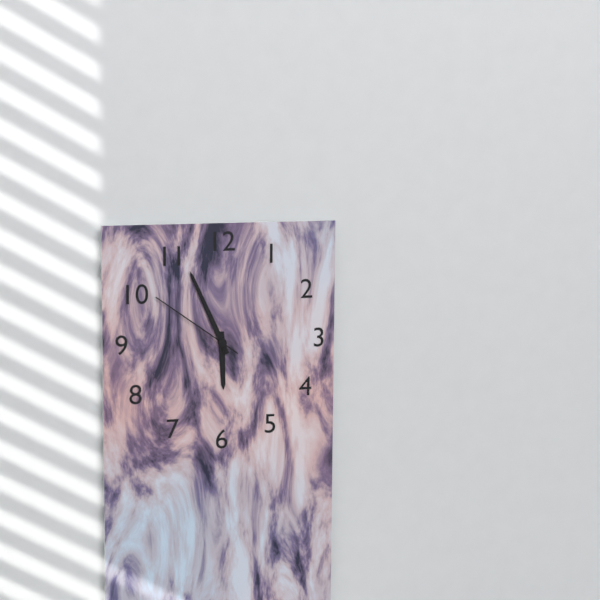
5 h 56 min 51 s
